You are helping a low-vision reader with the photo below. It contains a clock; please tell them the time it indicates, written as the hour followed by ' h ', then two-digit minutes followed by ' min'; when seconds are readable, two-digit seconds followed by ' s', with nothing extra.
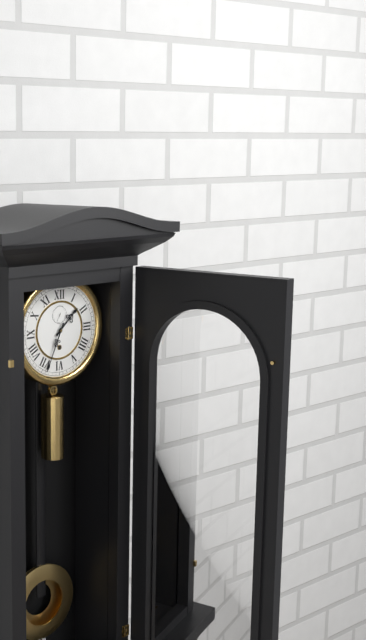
1 h 34 min
